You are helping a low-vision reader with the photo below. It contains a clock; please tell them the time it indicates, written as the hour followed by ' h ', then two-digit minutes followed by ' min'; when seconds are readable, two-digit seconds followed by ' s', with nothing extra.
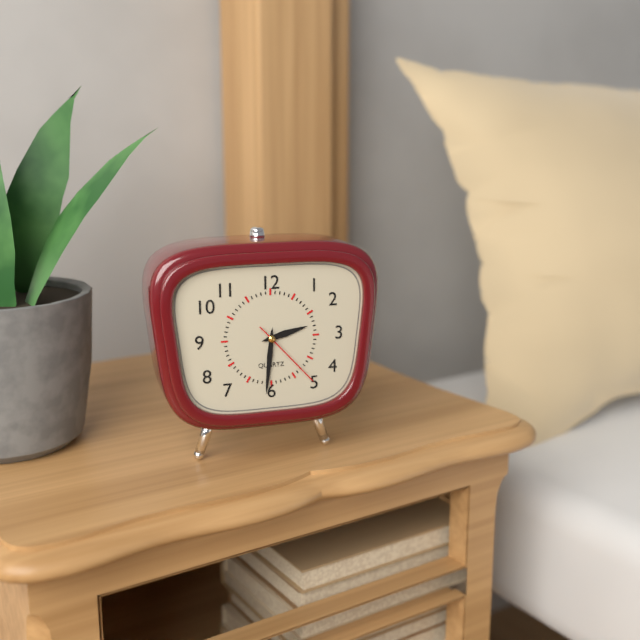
2 h 31 min 23 s
